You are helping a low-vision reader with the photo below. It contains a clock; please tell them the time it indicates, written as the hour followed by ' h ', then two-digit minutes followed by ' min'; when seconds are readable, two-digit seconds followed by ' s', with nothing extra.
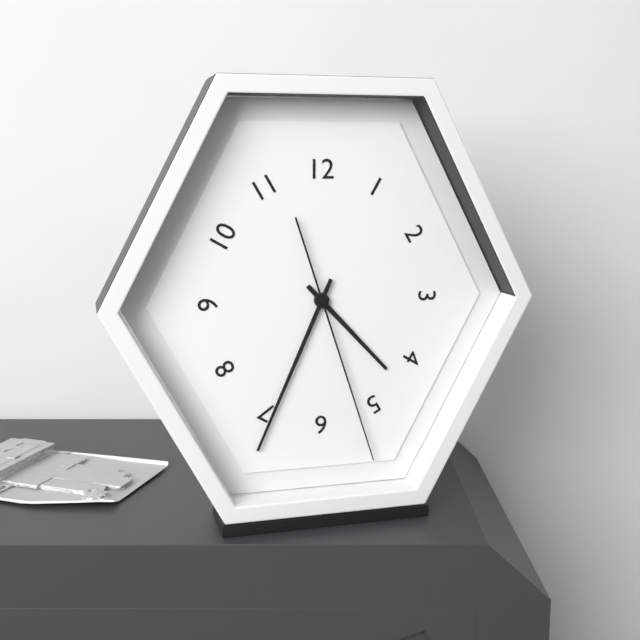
4 h 34 min 27 s
